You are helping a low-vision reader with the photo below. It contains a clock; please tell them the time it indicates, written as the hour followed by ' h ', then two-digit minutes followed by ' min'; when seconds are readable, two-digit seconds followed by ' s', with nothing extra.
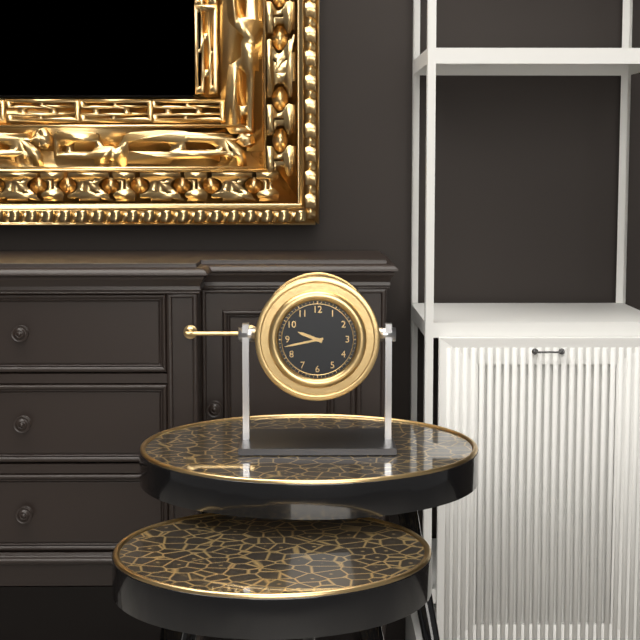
9 h 43 min
